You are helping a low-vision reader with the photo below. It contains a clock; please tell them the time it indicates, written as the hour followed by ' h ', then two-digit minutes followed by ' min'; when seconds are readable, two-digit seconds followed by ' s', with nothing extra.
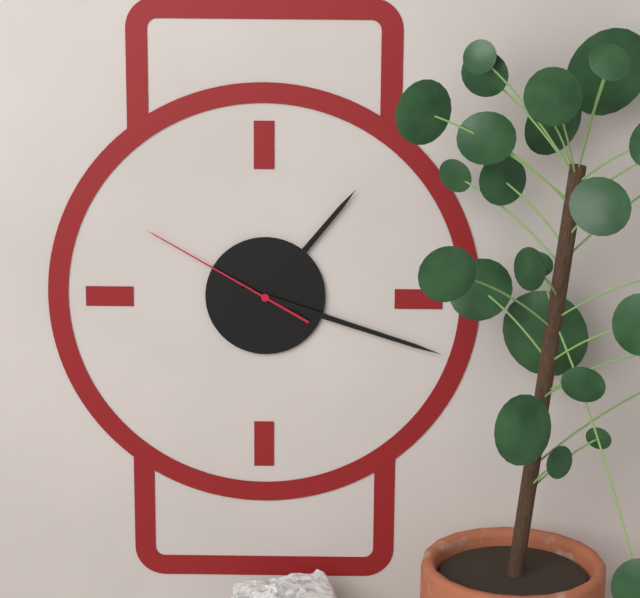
1 h 18 min 50 s
